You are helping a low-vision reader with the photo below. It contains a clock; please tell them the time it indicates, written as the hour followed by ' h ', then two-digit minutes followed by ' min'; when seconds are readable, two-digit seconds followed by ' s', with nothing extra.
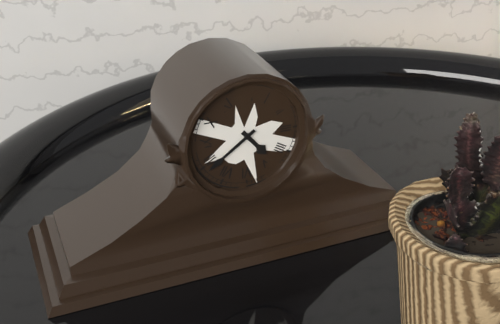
4 h 39 min
